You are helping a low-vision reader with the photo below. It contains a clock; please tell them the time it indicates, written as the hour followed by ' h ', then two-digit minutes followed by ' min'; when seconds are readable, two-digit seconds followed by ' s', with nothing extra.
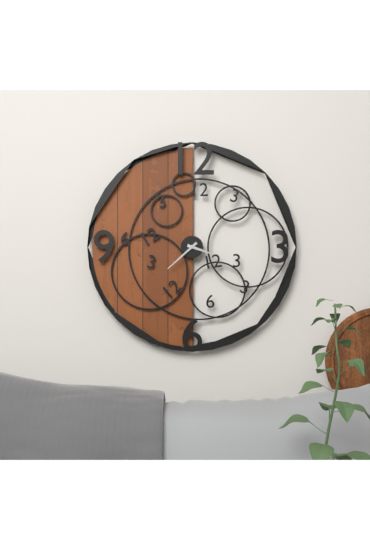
3 h 38 min
